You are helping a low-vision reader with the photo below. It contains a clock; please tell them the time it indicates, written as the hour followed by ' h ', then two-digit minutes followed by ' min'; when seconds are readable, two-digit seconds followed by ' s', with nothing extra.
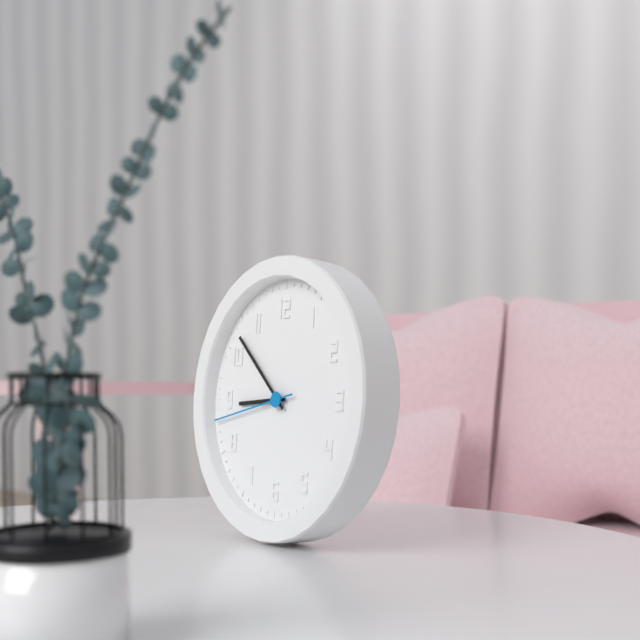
8 h 52 min 43 s
